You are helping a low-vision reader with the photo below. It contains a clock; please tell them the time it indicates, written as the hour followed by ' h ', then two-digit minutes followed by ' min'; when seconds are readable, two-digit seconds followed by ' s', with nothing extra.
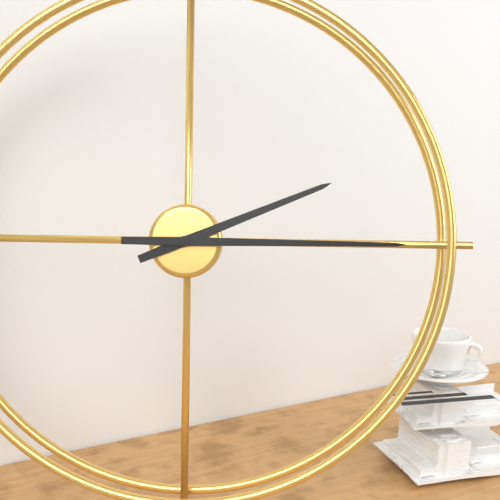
2 h 15 min
